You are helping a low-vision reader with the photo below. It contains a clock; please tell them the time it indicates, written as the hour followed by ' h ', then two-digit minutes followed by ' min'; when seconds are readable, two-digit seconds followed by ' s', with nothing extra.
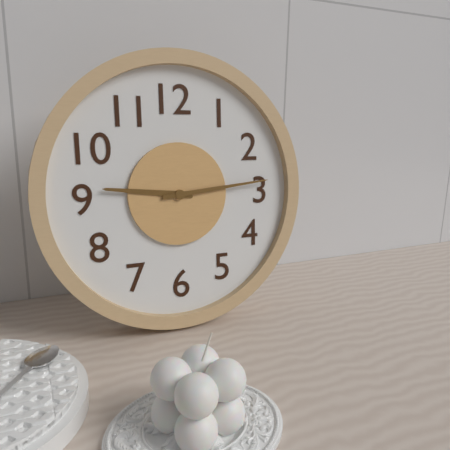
9 h 14 min
